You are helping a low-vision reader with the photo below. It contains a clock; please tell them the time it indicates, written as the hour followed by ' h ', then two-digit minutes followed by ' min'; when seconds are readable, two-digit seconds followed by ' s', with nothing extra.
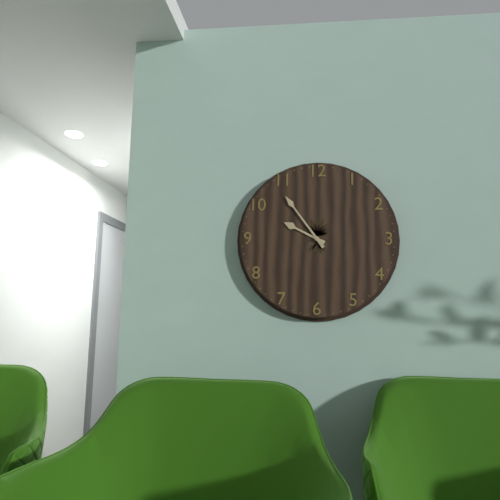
9 h 54 min
